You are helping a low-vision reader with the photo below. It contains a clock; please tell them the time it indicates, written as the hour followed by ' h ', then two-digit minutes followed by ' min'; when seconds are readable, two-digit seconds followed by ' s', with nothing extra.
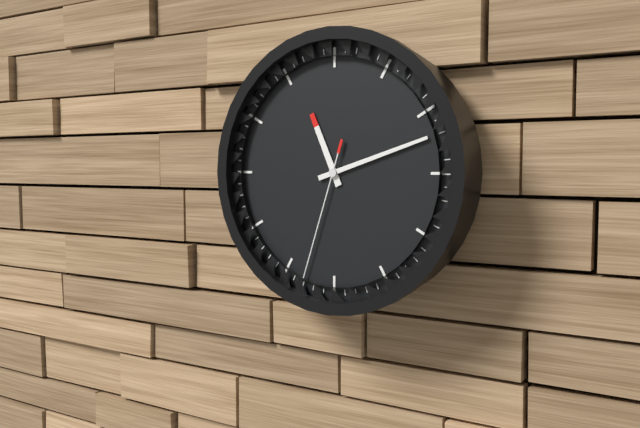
11 h 12 min 33 s
